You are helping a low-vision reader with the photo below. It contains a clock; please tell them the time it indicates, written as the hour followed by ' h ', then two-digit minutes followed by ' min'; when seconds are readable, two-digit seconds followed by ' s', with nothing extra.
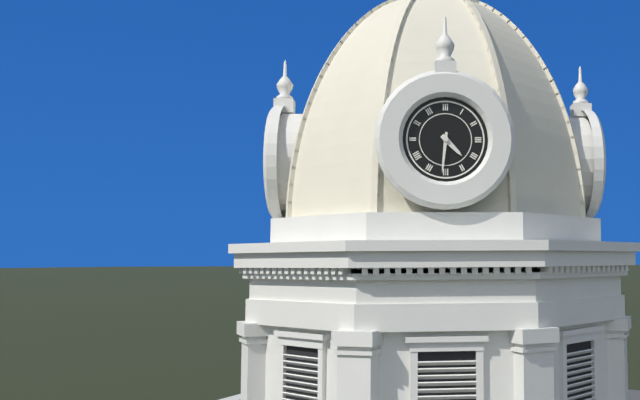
4 h 31 min
